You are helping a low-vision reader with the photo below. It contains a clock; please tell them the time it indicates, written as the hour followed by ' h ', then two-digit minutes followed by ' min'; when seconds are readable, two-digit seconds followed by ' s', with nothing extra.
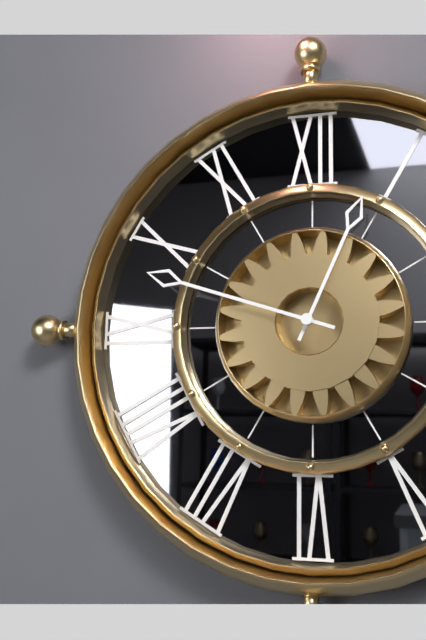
12 h 48 min
